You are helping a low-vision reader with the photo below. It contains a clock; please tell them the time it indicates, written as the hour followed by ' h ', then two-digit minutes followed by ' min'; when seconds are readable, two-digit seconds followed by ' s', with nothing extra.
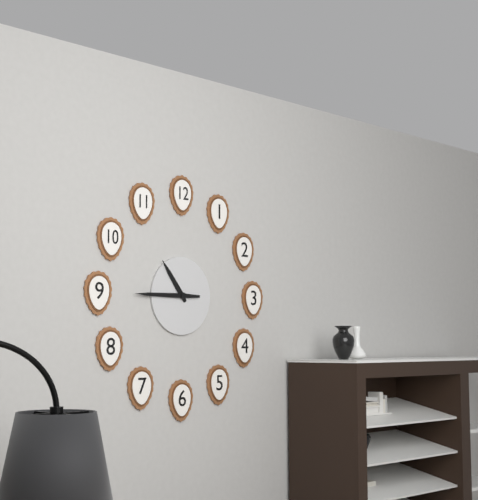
10 h 45 min
